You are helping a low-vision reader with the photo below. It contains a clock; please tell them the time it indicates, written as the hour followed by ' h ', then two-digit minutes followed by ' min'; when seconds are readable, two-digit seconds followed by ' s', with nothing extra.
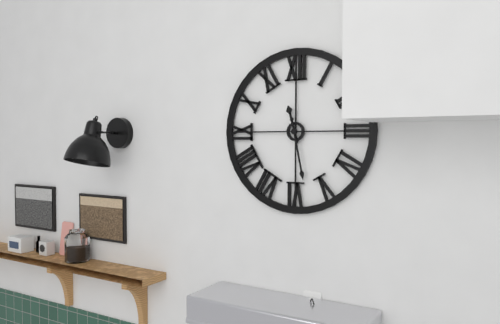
11 h 28 min
